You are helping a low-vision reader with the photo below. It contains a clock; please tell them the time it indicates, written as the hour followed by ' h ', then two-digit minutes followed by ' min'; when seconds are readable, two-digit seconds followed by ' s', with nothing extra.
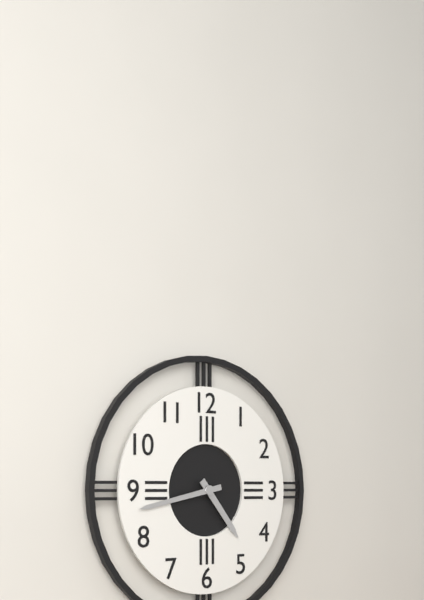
4 h 43 min
